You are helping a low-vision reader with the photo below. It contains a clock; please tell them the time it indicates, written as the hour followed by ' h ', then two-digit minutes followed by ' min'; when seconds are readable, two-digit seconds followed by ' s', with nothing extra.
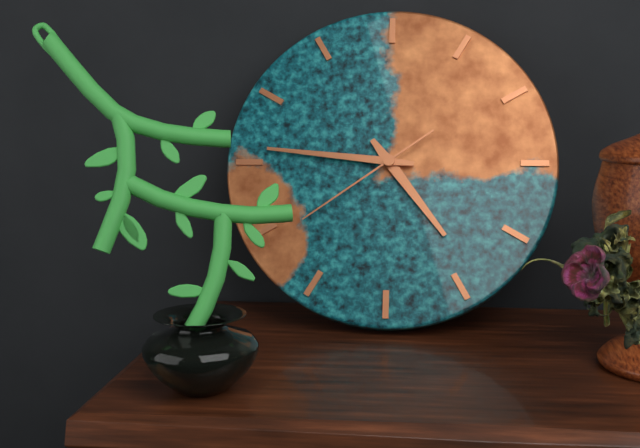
4 h 46 min 39 s
